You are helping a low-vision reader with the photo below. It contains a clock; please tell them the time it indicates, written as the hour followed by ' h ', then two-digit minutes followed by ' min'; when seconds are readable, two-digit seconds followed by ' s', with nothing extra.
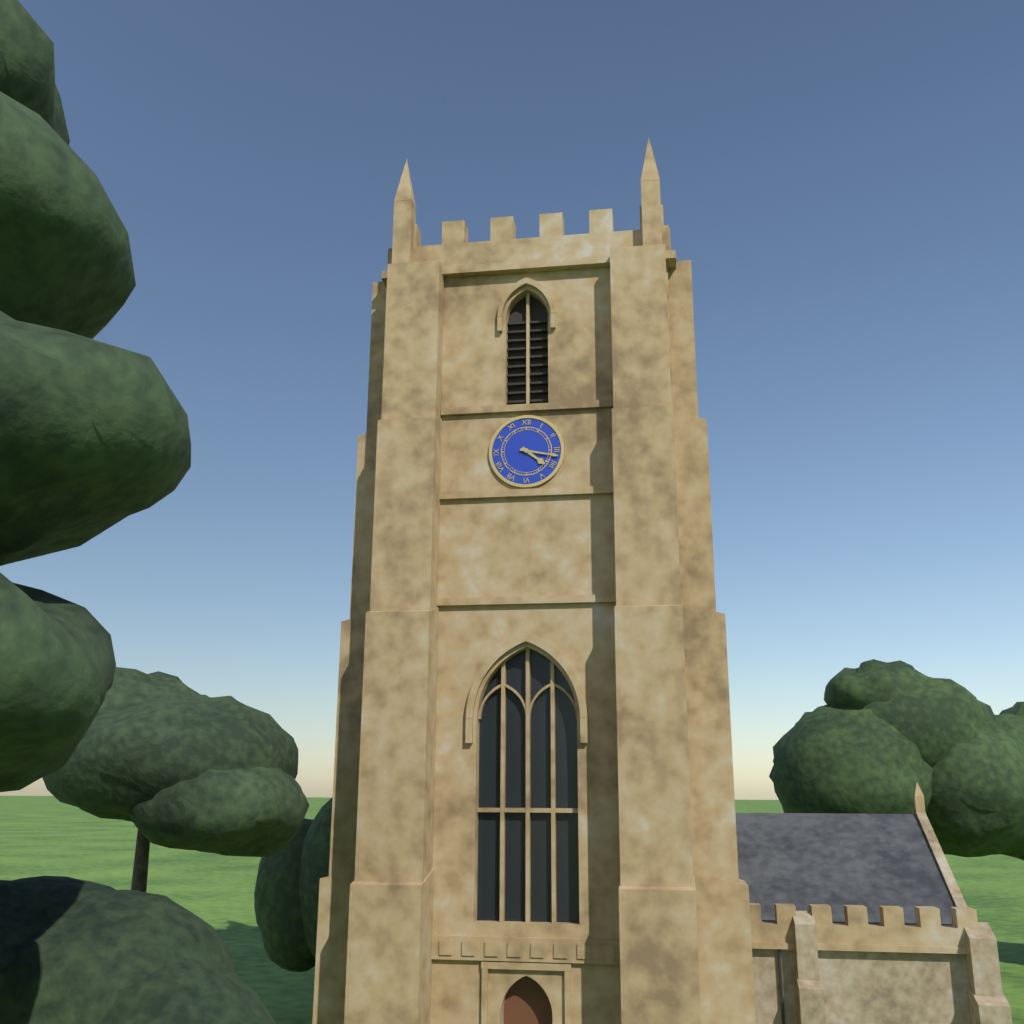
4 h 17 min
